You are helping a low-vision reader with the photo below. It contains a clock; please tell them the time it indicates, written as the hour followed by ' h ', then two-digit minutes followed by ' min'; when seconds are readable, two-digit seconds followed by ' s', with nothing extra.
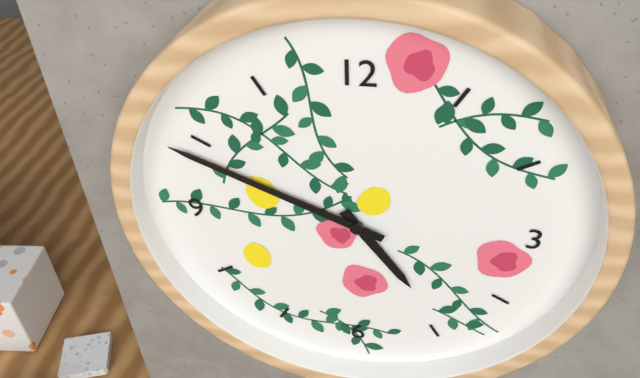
4 h 49 min
